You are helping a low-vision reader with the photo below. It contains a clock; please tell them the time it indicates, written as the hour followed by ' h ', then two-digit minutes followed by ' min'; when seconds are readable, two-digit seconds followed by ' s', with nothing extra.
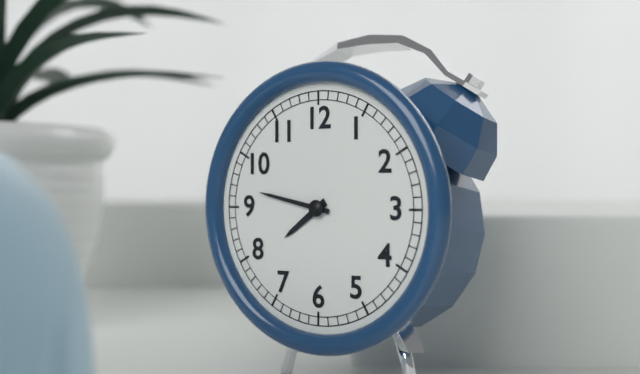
7 h 47 min
